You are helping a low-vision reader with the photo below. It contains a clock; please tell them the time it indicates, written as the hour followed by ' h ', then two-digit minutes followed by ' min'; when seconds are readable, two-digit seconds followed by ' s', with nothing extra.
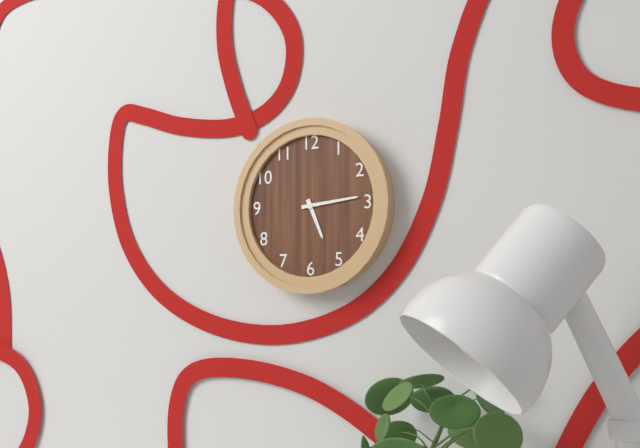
5 h 14 min
